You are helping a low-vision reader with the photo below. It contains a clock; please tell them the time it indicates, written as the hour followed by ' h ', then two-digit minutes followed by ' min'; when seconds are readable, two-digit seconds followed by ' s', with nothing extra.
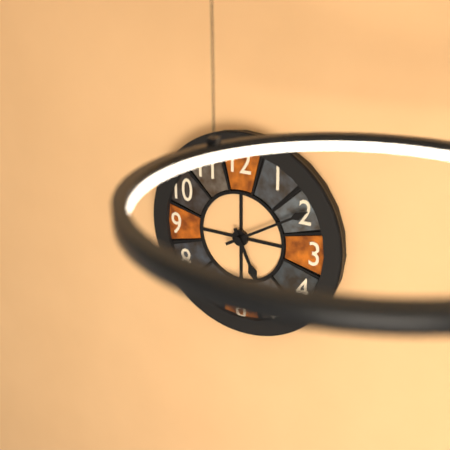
5 h 10 min
